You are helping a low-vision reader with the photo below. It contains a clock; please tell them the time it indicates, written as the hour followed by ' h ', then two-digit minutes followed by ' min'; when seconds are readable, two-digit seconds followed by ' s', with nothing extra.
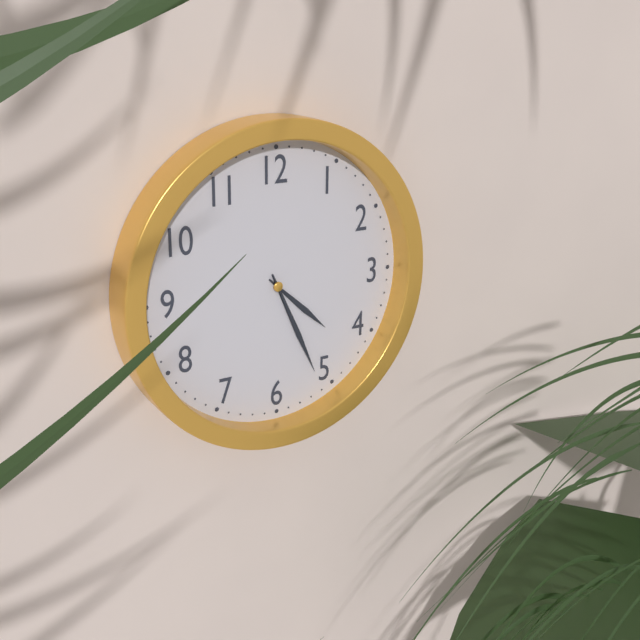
4 h 26 min
